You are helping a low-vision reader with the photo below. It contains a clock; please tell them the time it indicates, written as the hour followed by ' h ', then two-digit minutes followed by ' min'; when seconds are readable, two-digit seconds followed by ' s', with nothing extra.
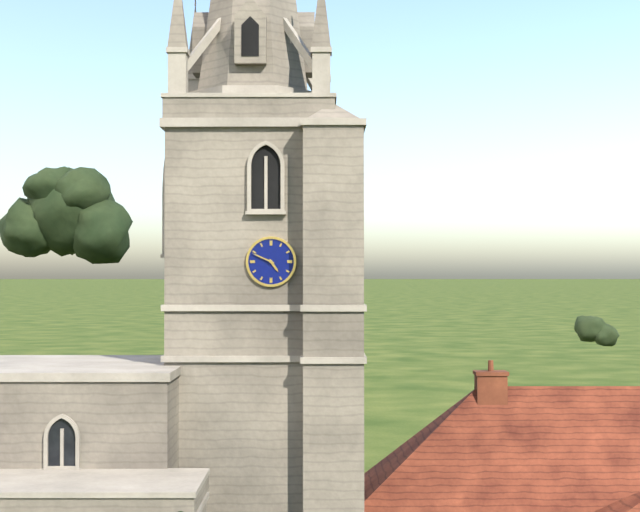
4 h 49 min
